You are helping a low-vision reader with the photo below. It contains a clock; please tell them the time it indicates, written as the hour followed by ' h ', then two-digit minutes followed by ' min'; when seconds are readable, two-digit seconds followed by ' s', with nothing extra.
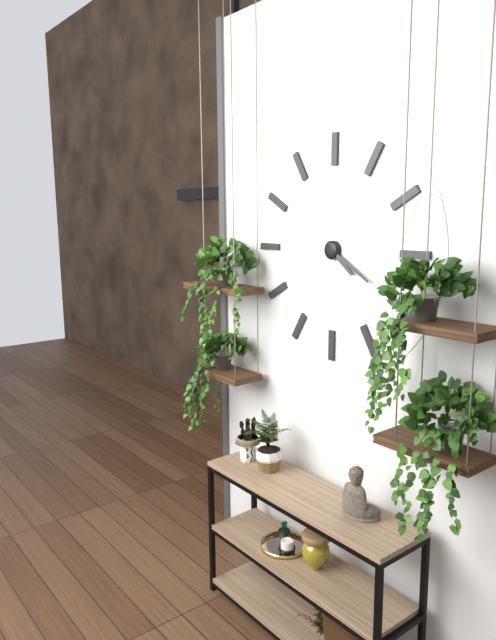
4 h 20 min
